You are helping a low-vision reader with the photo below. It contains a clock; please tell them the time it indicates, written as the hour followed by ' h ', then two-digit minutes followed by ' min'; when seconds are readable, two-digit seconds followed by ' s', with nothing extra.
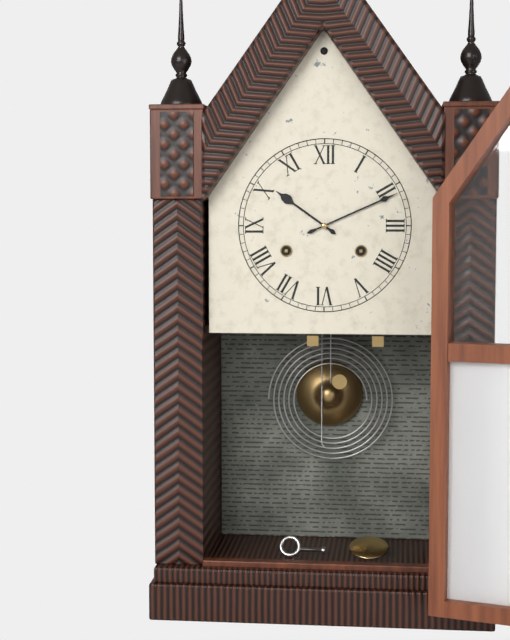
10 h 11 min
